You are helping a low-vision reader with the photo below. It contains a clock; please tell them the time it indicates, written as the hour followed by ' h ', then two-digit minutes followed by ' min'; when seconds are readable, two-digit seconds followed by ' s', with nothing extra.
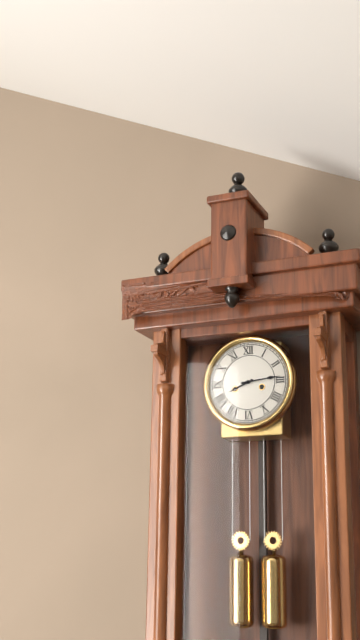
8 h 14 min
